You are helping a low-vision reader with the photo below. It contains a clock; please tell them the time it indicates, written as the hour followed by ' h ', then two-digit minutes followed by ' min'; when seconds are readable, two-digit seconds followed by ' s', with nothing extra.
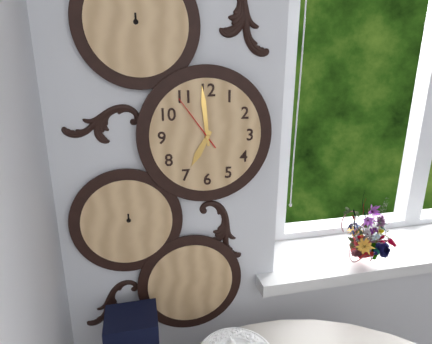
6 h 59 min 54 s
